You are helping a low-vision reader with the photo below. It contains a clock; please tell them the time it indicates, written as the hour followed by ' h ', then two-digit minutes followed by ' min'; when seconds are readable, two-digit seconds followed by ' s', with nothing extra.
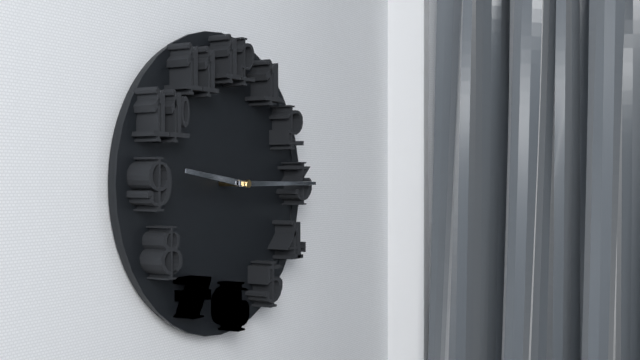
9 h 15 min
